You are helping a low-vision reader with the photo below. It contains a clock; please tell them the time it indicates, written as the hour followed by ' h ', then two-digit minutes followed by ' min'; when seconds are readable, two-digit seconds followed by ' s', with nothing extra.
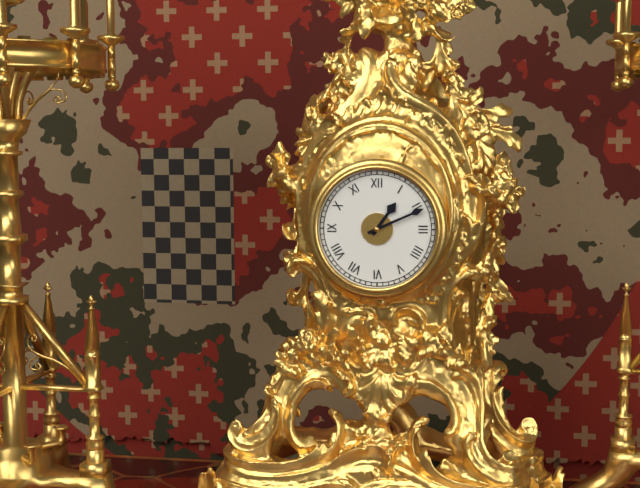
1 h 11 min
